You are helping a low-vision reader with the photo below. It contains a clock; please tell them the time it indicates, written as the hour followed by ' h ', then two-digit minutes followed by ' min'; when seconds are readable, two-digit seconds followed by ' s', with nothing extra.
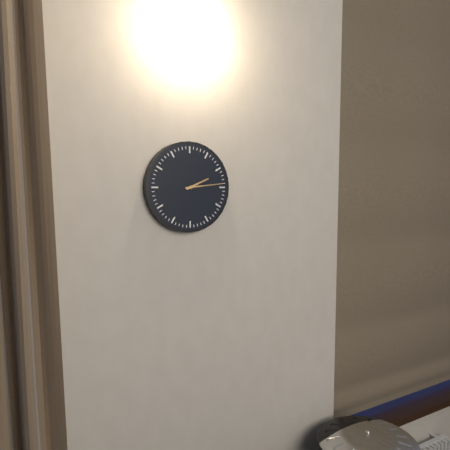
2 h 14 min
